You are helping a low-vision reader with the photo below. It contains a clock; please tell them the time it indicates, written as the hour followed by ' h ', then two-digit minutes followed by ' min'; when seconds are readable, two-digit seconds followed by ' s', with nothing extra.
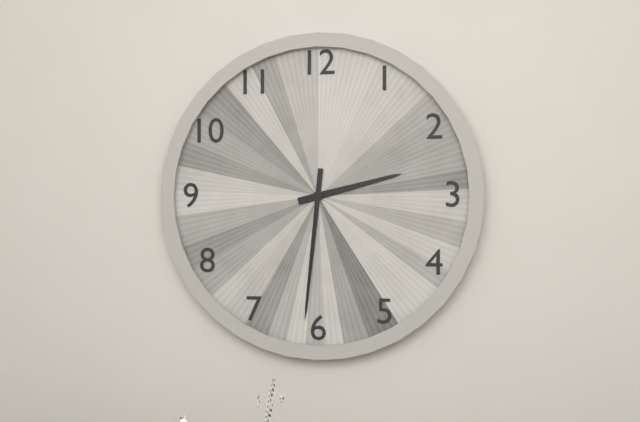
2 h 31 min
